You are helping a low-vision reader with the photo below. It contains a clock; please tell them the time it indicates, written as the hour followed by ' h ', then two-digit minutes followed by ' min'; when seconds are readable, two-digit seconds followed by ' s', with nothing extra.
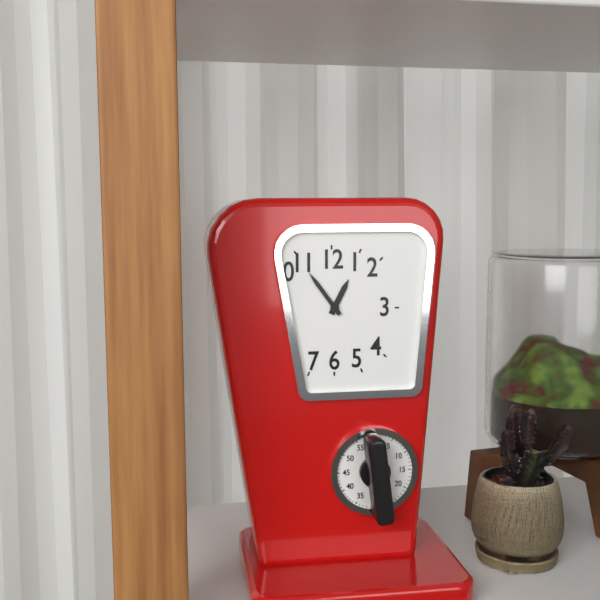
12 h 54 min
